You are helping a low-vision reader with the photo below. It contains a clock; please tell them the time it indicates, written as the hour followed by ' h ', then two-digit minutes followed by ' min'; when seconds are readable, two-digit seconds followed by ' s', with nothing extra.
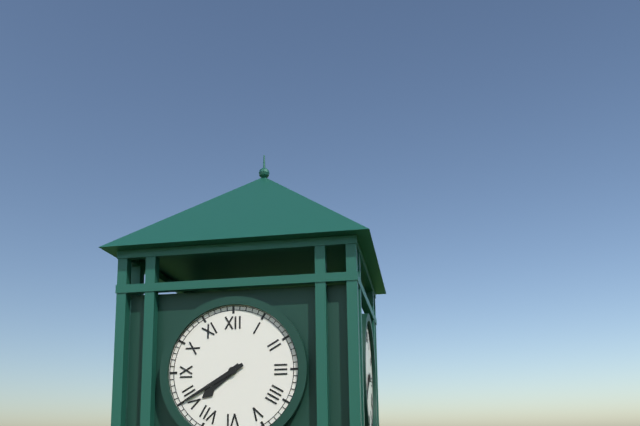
7 h 40 min
